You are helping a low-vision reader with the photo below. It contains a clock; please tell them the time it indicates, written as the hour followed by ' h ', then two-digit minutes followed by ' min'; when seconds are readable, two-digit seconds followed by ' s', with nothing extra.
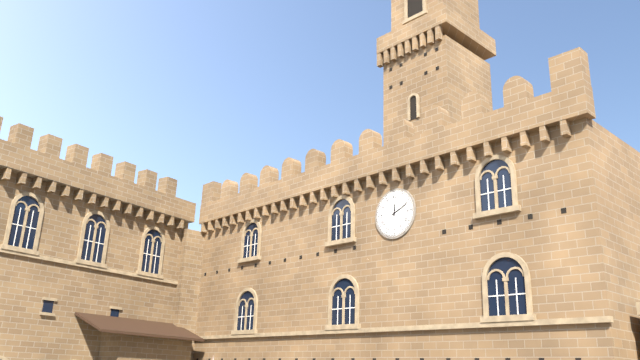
12 h 11 min
